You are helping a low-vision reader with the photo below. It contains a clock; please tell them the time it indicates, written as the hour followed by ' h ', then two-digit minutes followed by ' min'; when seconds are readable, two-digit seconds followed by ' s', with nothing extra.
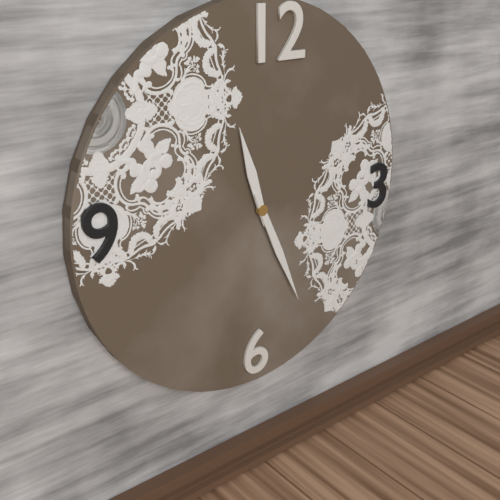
11 h 26 min
